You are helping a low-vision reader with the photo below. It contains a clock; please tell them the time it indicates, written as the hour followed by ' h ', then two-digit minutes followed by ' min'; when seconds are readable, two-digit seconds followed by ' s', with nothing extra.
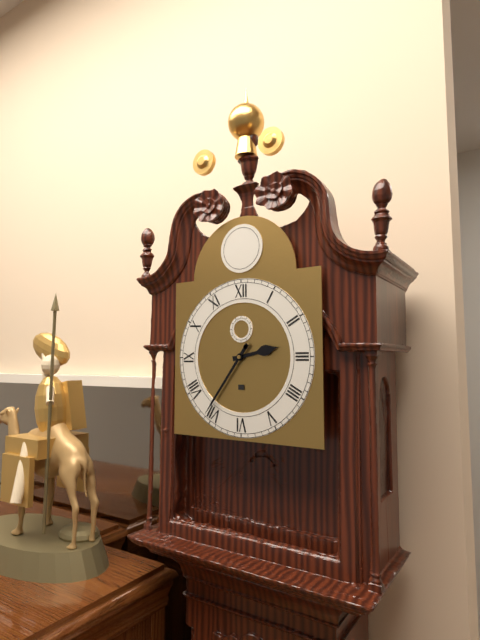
2 h 36 min
